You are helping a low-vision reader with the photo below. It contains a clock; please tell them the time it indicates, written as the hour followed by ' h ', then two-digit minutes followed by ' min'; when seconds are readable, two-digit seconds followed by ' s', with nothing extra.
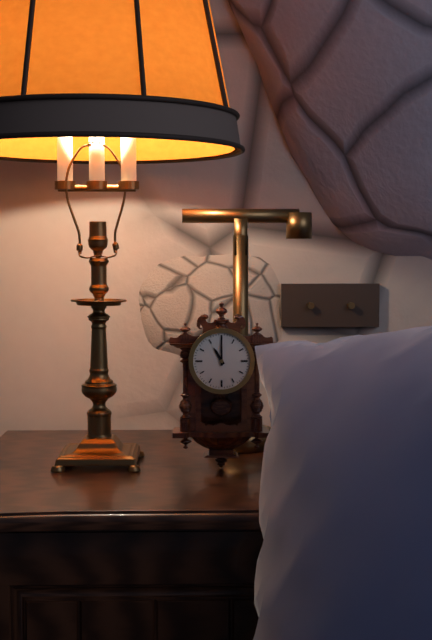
11 h 00 min
